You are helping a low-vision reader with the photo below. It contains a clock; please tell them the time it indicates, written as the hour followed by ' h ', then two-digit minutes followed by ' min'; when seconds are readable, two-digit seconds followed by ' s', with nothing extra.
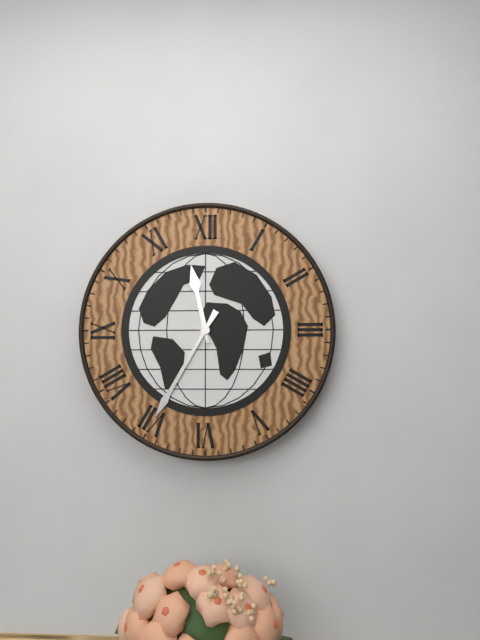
11 h 35 min
